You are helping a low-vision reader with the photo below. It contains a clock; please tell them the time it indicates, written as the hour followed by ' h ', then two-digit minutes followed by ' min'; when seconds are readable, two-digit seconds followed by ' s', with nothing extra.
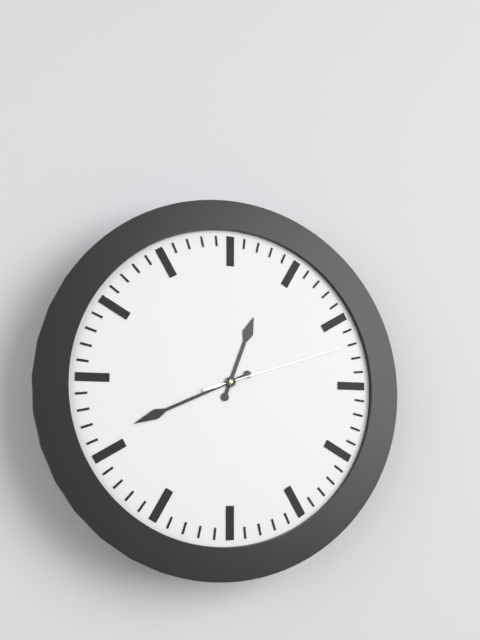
12 h 41 min 12 s
